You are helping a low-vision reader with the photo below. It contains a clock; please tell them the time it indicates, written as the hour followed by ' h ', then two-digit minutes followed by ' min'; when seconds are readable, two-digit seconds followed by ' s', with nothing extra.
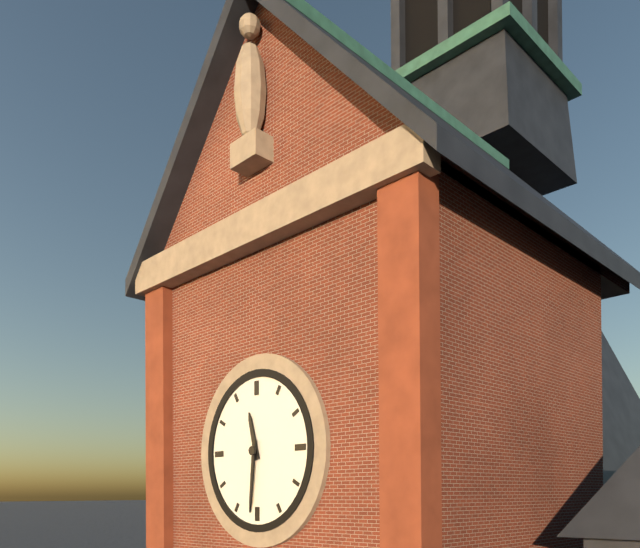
11 h 31 min
